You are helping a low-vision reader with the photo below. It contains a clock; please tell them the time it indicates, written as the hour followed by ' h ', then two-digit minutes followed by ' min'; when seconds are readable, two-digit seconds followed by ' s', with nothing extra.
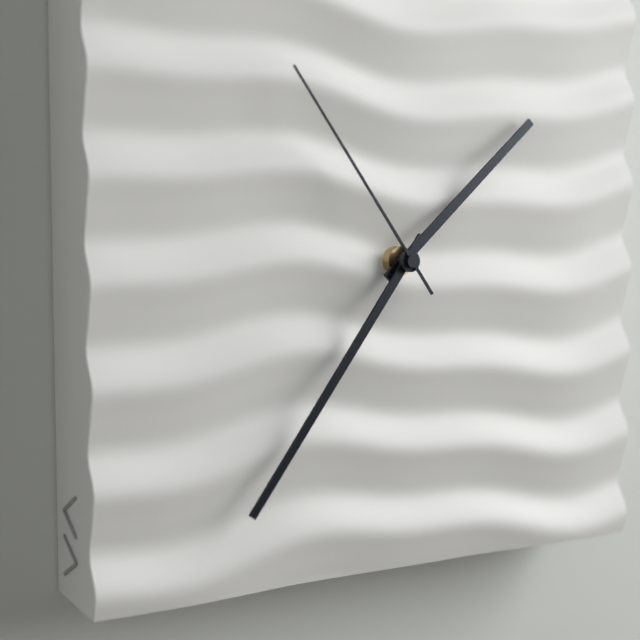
1 h 36 min 54 s
